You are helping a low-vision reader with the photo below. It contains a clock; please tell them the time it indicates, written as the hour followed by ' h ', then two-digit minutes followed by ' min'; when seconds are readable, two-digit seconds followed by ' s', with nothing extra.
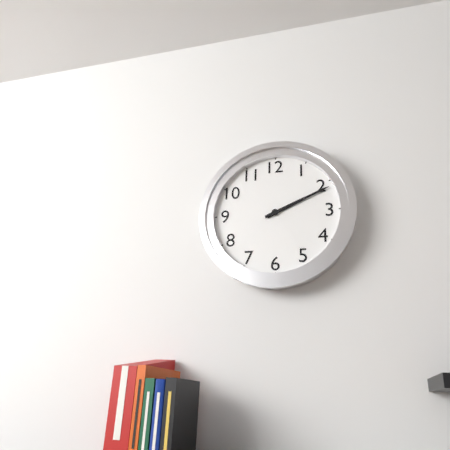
2 h 11 min
